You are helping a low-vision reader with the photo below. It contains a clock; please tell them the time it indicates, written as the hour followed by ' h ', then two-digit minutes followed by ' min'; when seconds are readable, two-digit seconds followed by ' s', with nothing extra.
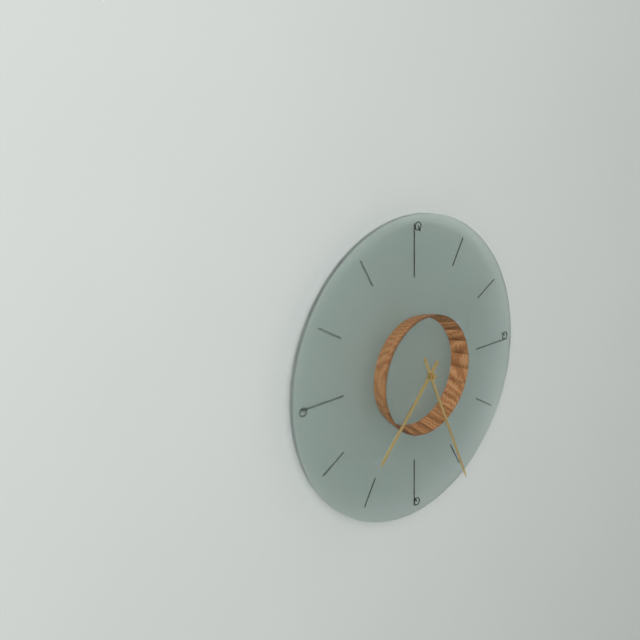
7 h 26 min
